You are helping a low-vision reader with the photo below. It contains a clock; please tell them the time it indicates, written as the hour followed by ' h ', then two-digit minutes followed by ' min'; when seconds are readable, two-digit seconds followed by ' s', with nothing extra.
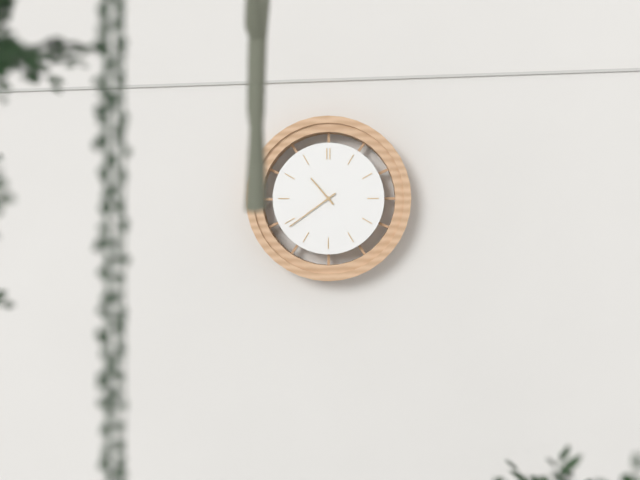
10 h 39 min
